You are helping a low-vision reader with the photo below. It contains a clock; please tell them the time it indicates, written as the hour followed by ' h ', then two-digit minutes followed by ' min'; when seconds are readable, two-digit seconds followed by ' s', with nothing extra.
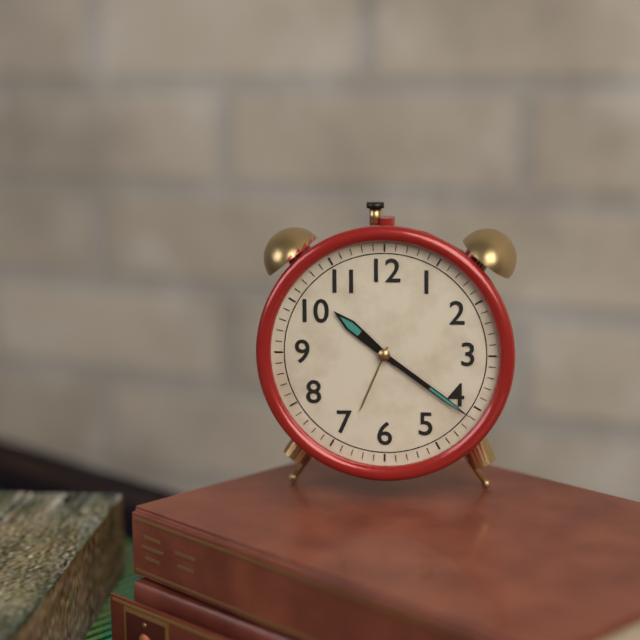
10 h 21 min
